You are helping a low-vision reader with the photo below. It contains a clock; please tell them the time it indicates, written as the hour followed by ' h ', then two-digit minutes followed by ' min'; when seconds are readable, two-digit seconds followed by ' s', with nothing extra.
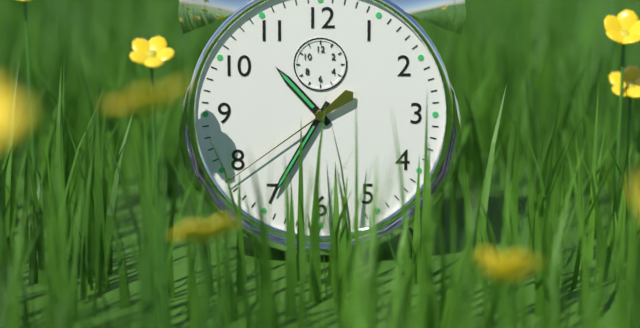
10 h 35 min 39 s
